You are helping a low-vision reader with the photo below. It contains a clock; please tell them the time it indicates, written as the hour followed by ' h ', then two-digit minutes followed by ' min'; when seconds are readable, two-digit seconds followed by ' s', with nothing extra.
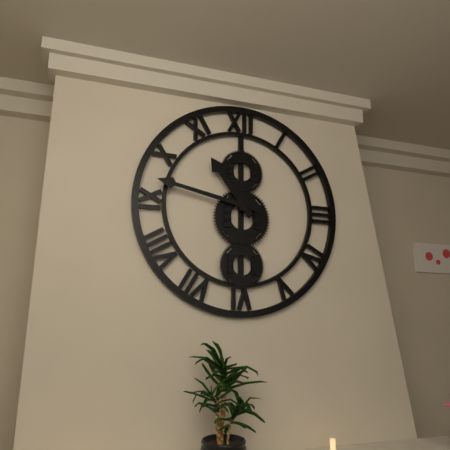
10 h 47 min
